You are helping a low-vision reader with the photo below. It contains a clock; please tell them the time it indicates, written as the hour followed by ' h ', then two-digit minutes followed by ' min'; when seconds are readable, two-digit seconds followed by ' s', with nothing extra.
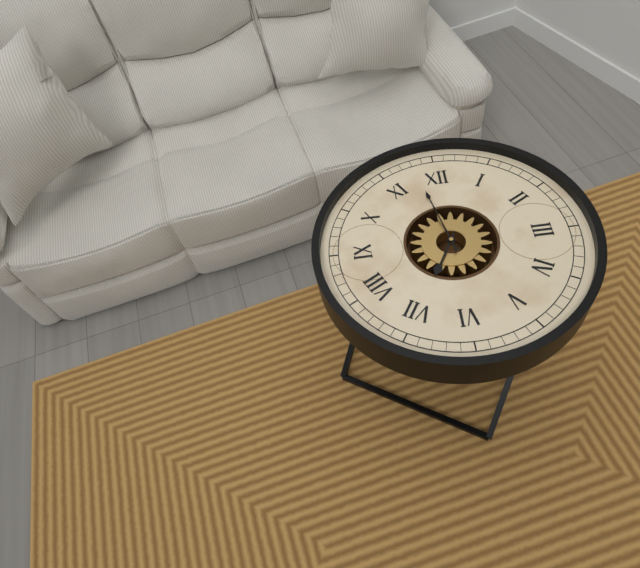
6 h 58 min
